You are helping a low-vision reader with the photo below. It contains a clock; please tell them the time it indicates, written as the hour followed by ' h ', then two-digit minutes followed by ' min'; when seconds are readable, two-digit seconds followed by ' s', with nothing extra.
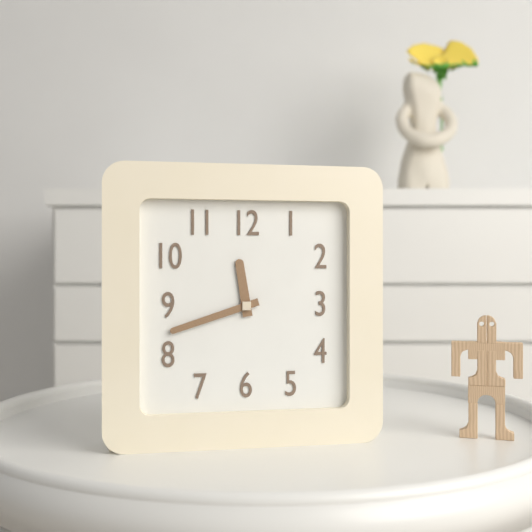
11 h 42 min
